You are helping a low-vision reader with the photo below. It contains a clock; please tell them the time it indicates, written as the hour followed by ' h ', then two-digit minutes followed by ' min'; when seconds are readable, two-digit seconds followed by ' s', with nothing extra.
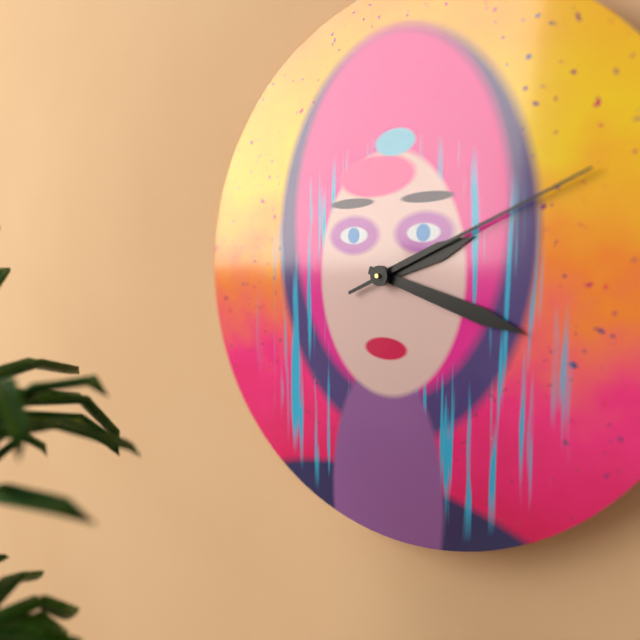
2 h 18 min 11 s
